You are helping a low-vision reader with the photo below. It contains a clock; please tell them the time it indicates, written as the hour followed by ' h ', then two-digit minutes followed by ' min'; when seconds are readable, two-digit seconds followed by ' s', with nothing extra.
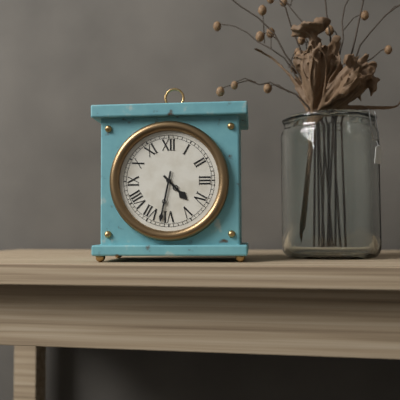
4 h 32 min
